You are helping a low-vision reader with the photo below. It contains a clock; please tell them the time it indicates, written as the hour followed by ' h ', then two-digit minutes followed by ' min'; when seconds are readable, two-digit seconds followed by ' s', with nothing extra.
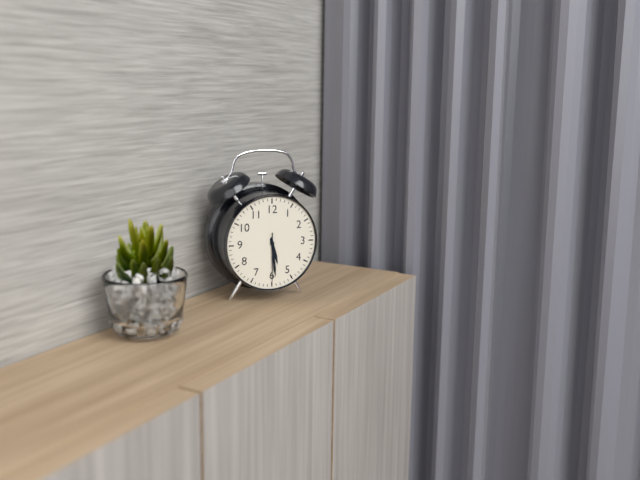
5 h 29 min 30 s
